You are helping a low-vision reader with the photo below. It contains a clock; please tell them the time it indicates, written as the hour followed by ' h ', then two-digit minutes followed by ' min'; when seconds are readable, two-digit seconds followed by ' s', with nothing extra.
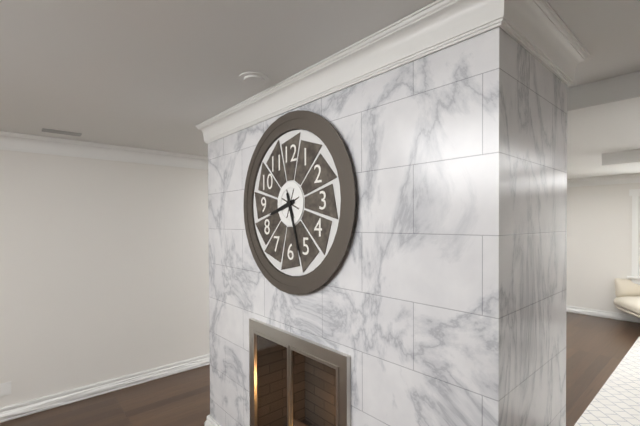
8 h 27 min
